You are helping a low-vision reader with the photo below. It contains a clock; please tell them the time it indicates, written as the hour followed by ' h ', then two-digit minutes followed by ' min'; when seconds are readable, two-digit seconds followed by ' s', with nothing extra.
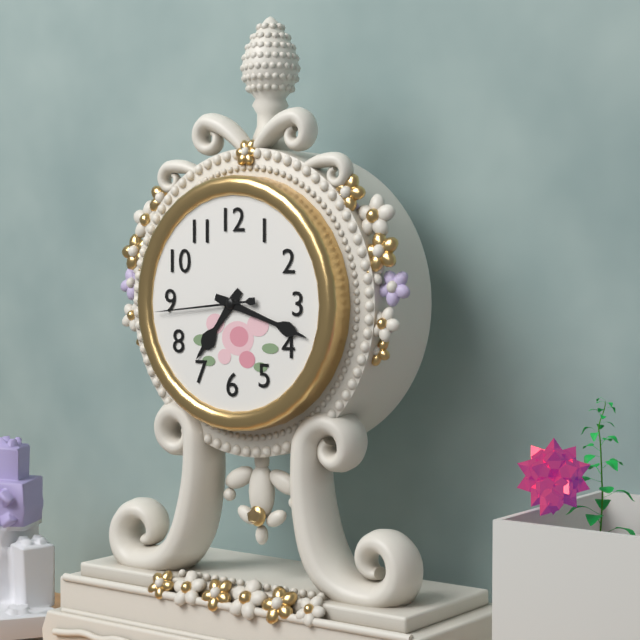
7 h 18 min 44 s
